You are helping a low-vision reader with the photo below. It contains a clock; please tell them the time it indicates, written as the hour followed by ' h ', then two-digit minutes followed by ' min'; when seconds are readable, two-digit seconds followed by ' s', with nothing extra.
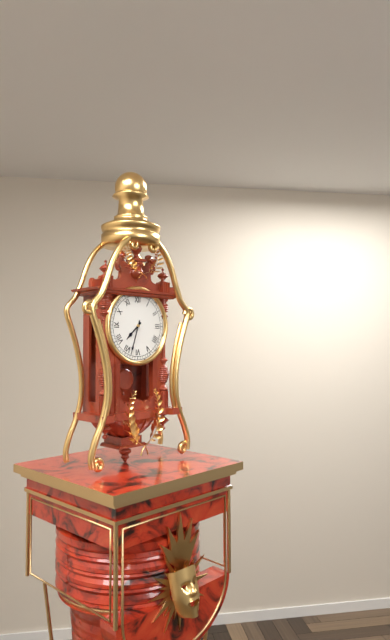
7 h 33 min
